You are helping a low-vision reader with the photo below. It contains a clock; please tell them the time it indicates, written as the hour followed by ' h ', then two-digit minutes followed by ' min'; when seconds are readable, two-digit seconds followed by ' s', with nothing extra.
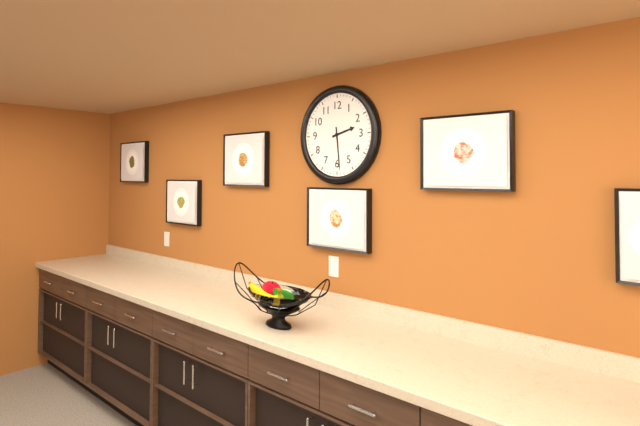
2 h 29 min
